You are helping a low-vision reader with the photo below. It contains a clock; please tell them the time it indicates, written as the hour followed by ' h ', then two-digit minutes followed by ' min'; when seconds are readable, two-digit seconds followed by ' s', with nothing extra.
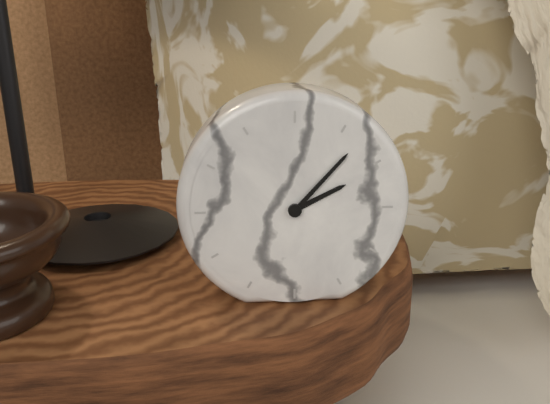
2 h 07 min
